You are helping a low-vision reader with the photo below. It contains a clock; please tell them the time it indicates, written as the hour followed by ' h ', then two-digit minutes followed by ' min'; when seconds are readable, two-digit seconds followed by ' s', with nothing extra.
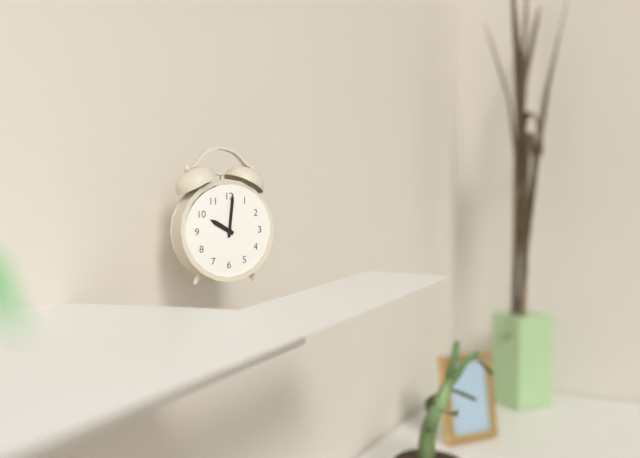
10 h 01 min
